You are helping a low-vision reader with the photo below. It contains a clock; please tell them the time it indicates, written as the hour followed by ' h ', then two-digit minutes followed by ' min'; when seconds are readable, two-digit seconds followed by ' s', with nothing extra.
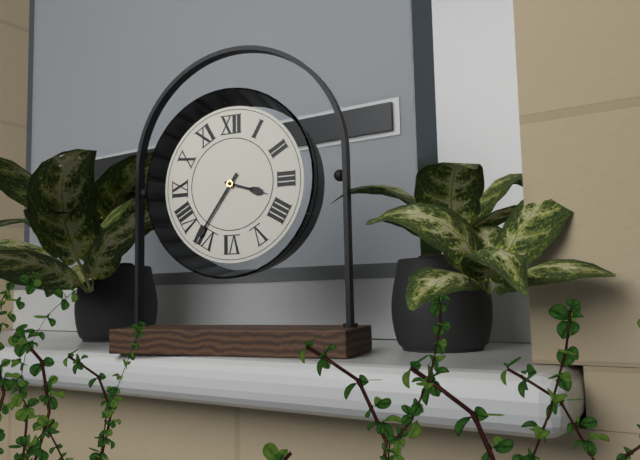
3 h 36 min
